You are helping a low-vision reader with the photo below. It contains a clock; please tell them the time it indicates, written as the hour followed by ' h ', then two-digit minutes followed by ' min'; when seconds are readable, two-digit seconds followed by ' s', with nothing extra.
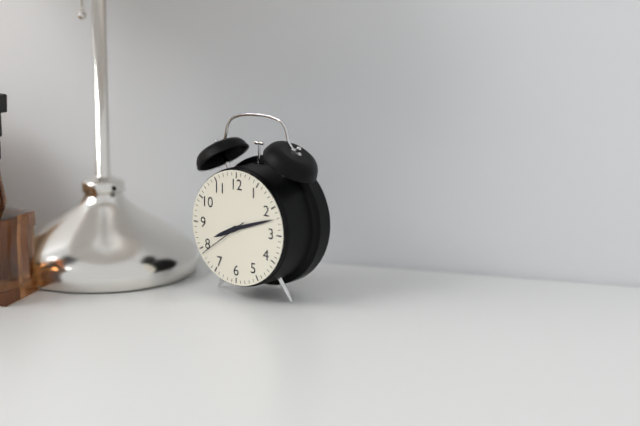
8 h 12 min 39 s
